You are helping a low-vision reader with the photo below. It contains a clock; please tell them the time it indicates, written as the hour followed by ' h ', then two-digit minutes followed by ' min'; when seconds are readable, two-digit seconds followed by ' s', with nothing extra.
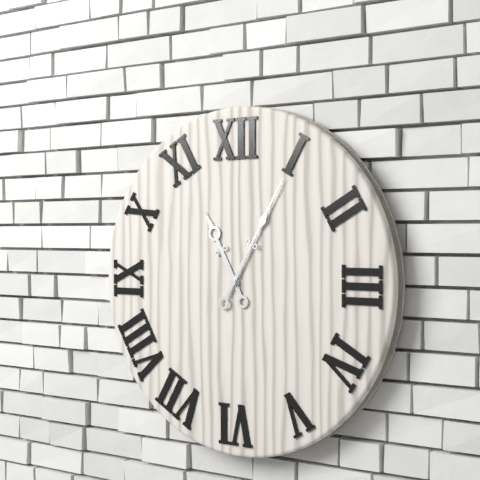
11 h 05 min
